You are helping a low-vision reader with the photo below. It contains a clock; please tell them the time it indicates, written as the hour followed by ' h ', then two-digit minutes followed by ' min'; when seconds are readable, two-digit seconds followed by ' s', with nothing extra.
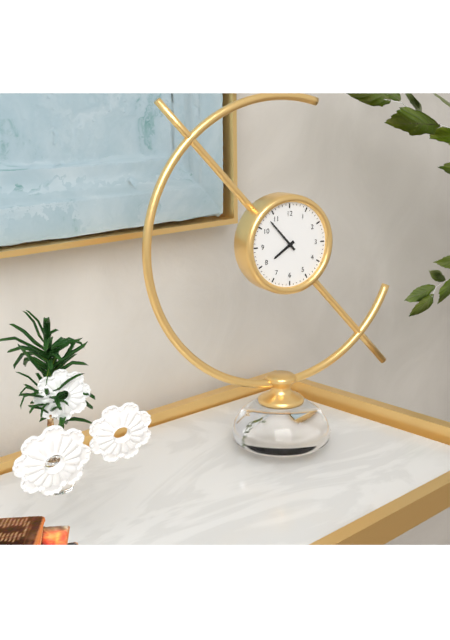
7 h 53 min
